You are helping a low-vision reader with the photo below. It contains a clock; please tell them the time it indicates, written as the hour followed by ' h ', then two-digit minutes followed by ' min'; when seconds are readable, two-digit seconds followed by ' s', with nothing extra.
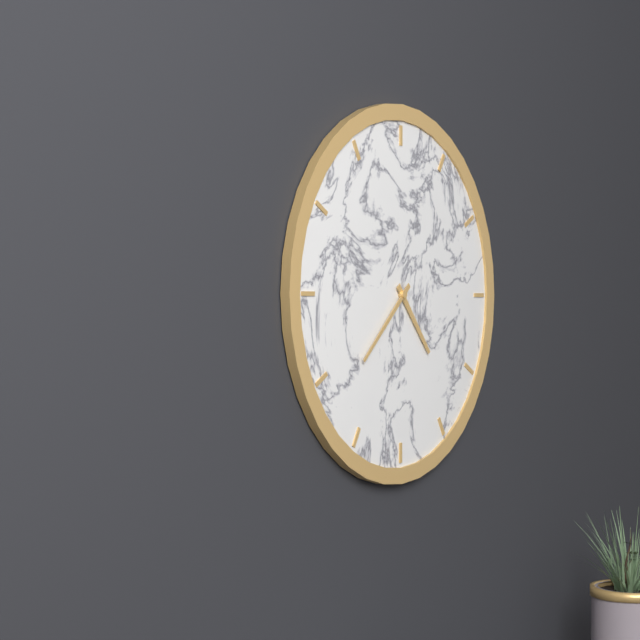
4 h 38 min
